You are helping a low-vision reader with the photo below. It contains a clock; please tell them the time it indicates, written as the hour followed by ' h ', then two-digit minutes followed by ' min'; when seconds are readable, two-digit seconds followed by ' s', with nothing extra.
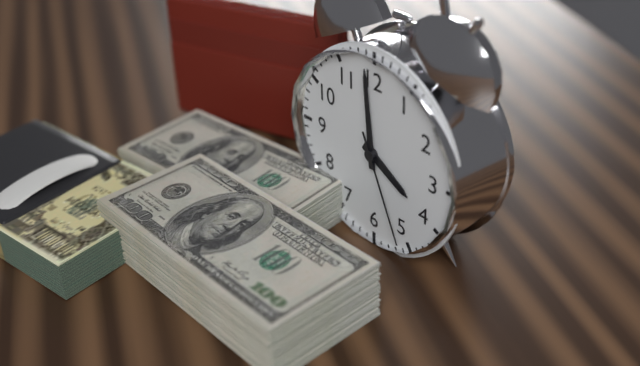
3 h 59 min 26 s
